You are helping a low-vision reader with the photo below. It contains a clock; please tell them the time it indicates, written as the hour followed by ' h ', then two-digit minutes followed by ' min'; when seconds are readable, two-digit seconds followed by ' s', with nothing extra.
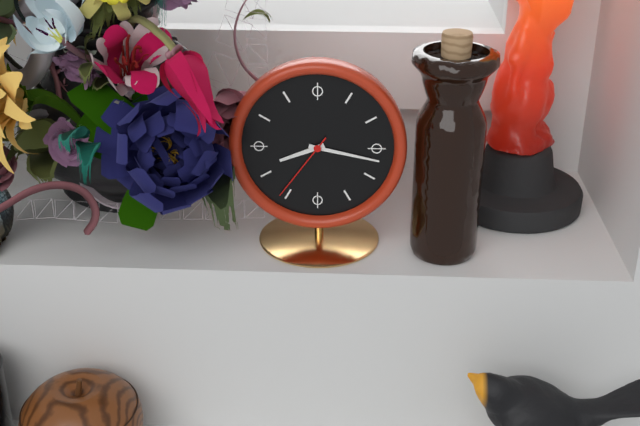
8 h 17 min 36 s
